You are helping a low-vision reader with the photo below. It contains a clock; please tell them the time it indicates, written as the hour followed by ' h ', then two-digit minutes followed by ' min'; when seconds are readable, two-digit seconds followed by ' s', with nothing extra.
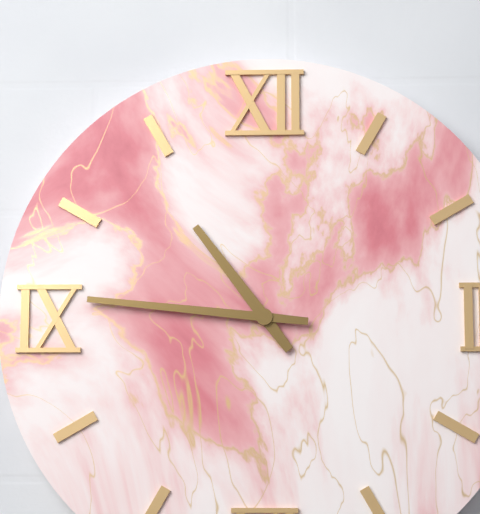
10 h 46 min
